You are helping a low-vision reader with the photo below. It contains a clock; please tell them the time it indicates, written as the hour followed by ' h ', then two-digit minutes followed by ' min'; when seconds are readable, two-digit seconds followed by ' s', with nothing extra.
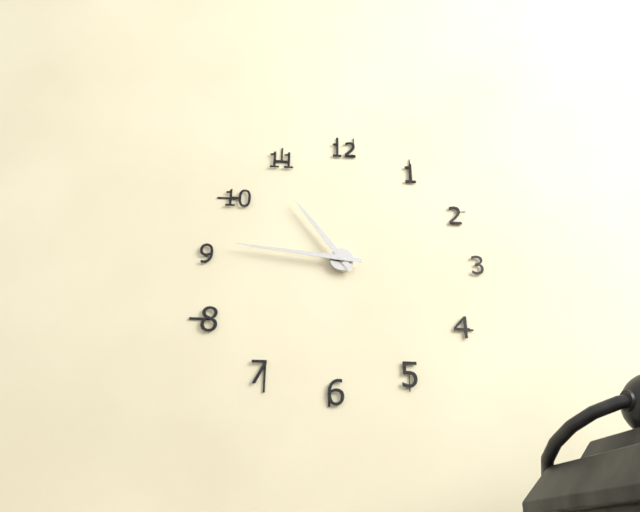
10 h 46 min
